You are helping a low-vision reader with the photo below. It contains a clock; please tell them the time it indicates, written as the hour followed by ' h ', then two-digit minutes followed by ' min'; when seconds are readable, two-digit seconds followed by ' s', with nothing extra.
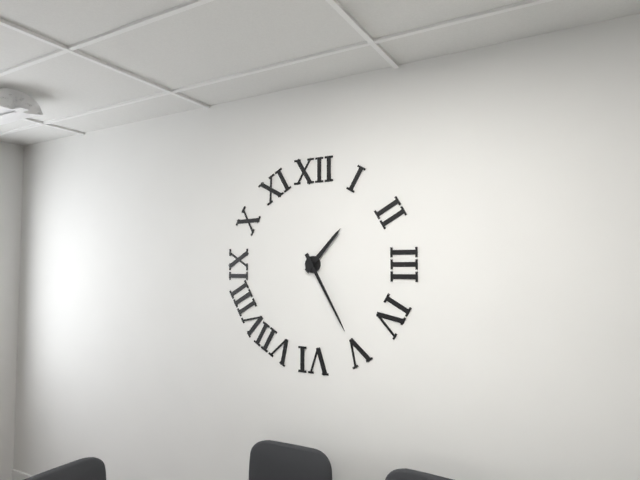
1 h 25 min
